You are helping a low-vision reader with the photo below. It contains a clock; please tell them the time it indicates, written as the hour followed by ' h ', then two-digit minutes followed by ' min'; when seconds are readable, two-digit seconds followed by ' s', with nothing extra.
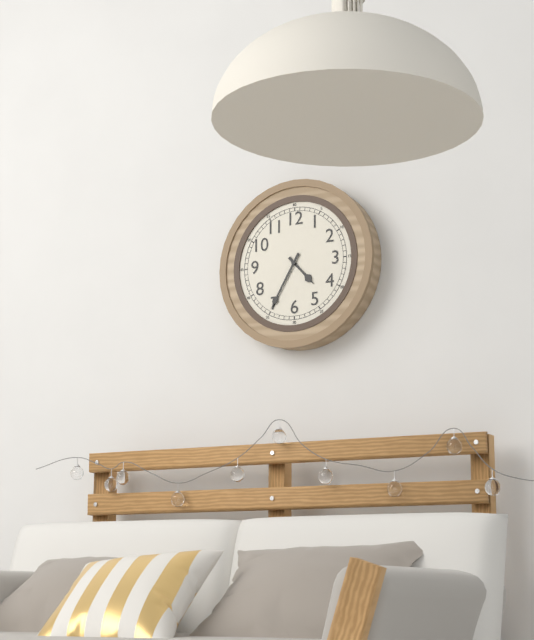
4 h 35 min
